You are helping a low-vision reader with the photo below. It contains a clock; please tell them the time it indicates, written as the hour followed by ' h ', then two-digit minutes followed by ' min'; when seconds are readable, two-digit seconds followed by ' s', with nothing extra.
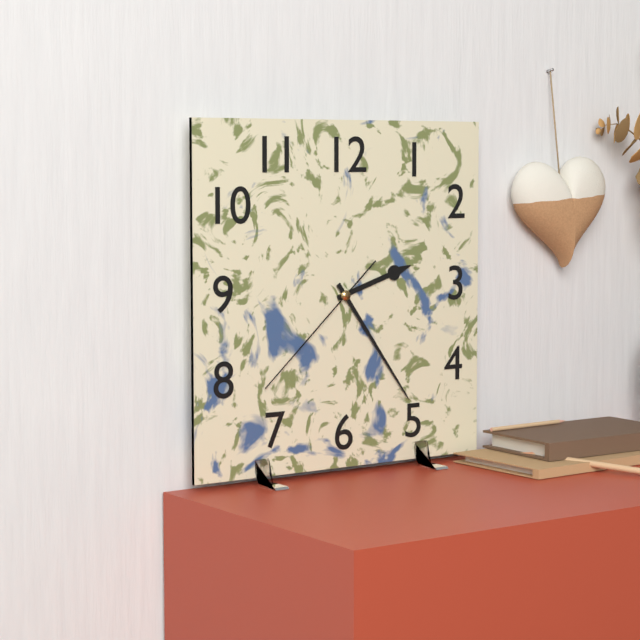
2 h 24 min 38 s
